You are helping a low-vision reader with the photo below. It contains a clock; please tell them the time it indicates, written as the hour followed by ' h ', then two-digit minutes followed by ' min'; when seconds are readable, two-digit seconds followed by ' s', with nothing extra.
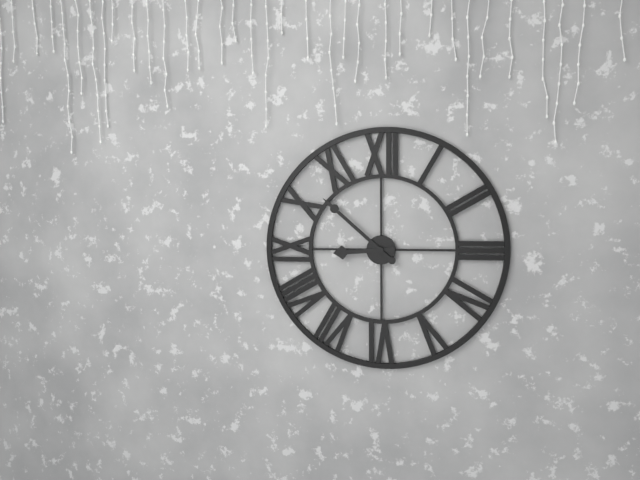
8 h 52 min
